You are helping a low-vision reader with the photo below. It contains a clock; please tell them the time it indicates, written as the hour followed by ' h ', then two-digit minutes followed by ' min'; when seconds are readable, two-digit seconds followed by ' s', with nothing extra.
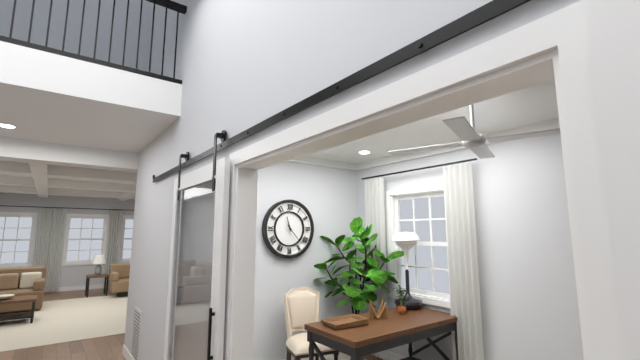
11 h 23 min
